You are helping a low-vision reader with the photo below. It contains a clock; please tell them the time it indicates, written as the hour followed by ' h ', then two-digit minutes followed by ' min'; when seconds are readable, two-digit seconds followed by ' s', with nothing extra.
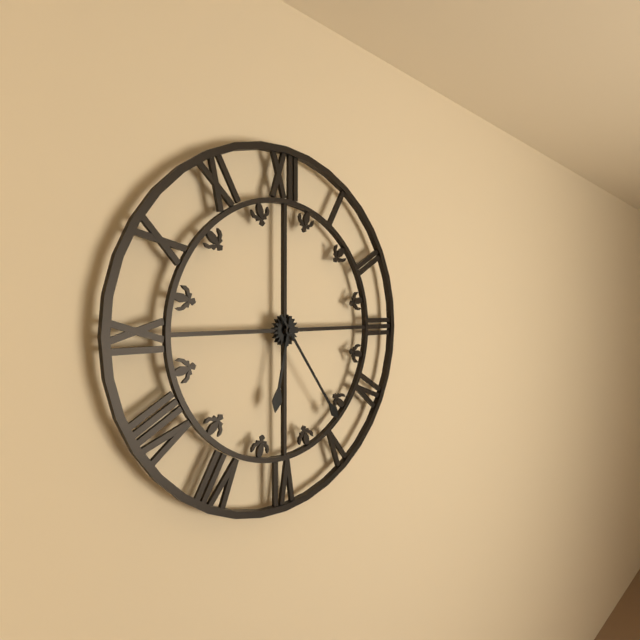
6 h 24 min
